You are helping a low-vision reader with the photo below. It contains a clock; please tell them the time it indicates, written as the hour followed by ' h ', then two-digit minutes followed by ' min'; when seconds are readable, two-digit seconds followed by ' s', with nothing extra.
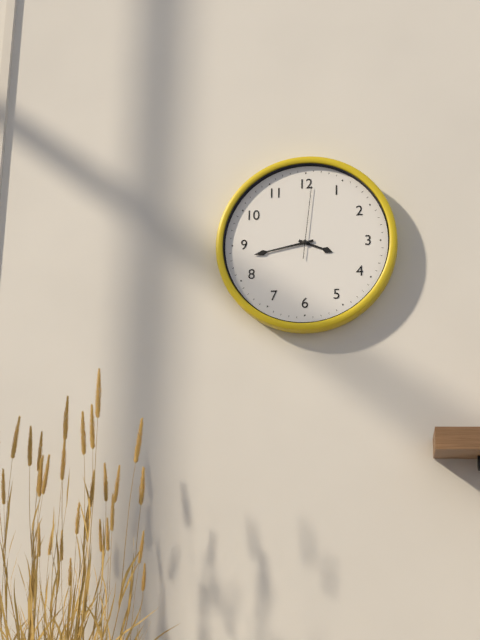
3 h 43 min 01 s
